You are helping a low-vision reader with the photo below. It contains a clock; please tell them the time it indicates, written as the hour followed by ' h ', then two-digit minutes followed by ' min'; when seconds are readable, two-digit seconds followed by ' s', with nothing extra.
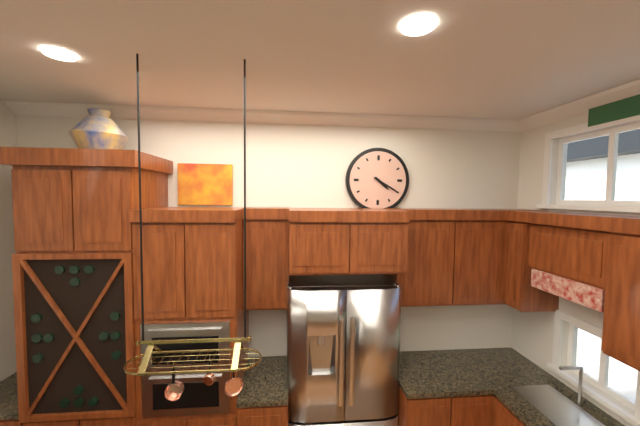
4 h 20 min
